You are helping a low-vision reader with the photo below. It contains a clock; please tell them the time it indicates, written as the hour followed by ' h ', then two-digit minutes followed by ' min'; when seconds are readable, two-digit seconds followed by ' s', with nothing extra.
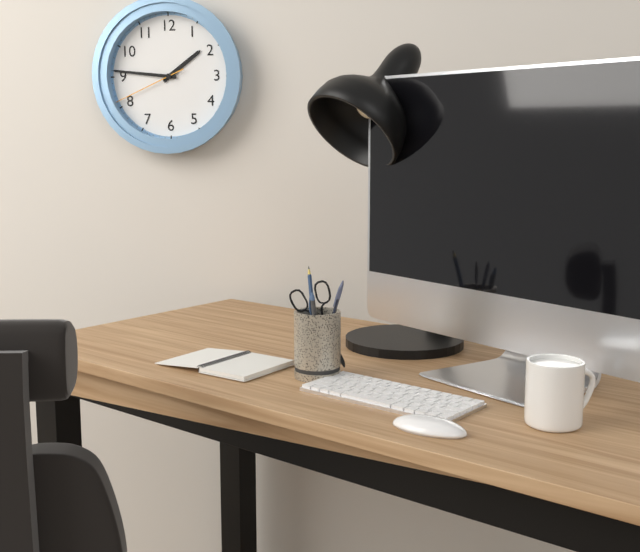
1 h 46 min 41 s
